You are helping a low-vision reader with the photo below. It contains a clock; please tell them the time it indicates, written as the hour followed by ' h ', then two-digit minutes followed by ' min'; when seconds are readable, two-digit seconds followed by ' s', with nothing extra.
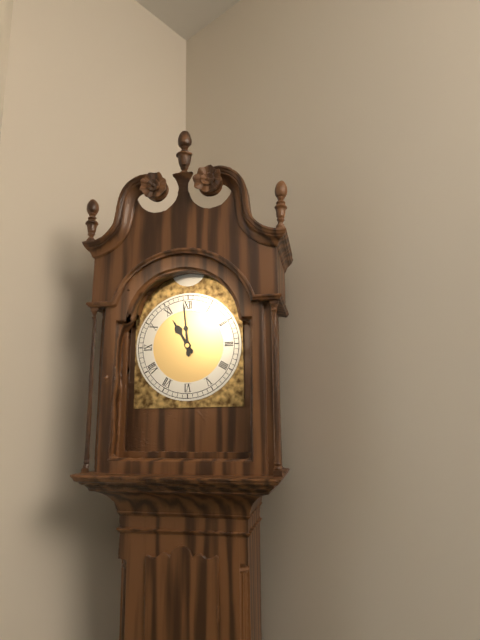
10 h 59 min
